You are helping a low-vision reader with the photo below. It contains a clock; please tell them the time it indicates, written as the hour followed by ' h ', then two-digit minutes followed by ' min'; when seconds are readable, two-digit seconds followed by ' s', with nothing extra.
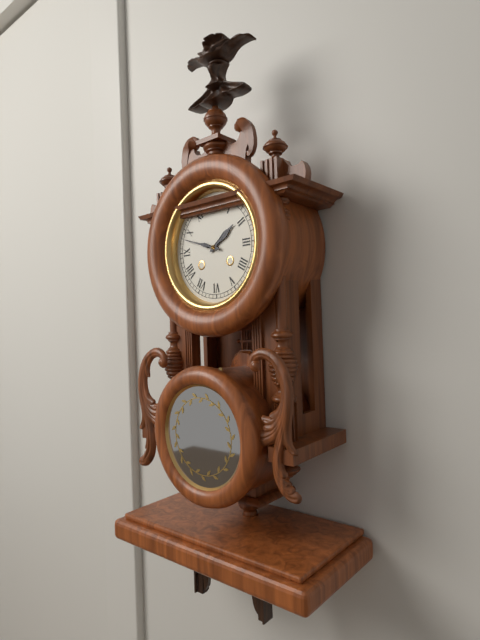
1 h 48 min
